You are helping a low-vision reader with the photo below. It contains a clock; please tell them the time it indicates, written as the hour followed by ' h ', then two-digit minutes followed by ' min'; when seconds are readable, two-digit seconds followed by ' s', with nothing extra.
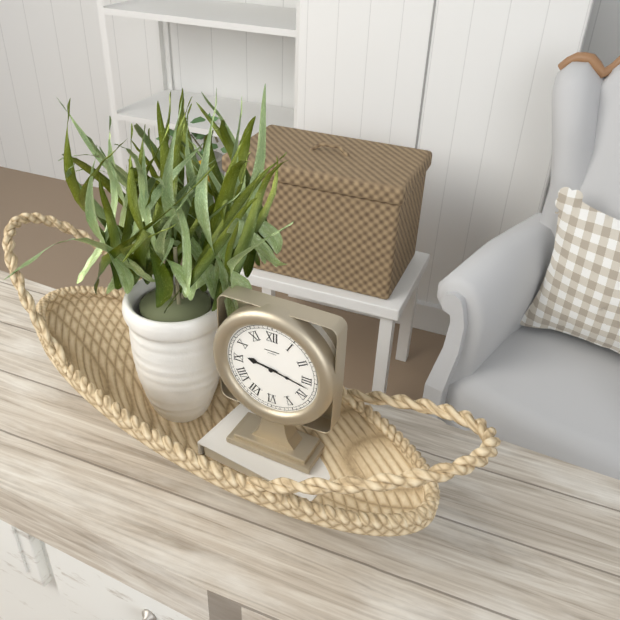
9 h 17 min
